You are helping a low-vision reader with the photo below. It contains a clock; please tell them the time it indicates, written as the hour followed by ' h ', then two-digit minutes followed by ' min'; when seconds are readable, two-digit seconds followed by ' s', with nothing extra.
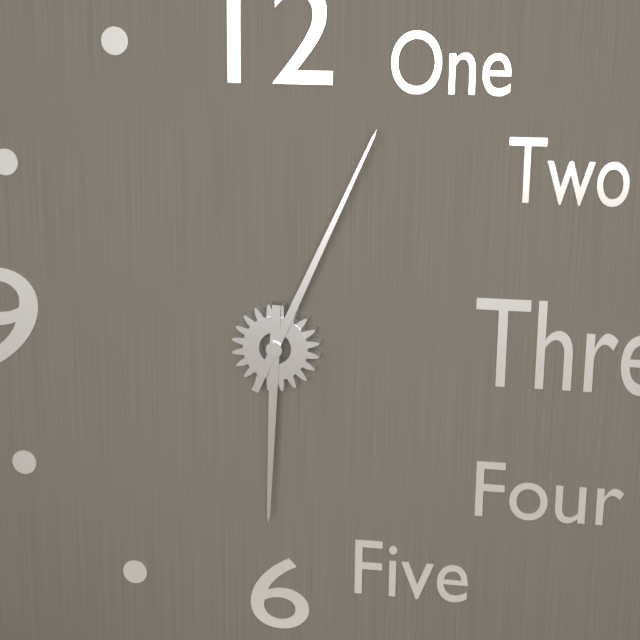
6 h 04 min
